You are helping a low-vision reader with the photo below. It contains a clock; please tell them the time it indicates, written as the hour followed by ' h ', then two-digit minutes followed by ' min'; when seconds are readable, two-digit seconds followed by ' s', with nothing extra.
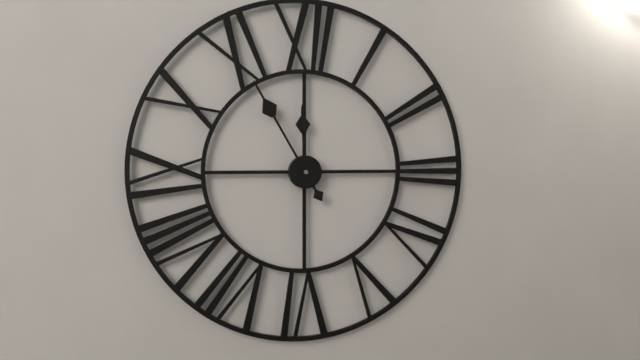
11 h 55 min
